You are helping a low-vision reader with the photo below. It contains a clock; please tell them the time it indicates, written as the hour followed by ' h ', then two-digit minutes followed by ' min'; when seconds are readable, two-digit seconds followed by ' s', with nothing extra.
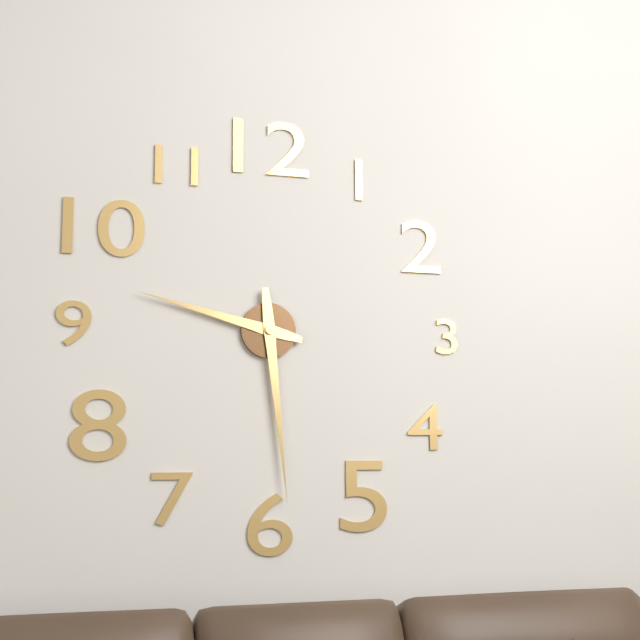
9 h 29 min
